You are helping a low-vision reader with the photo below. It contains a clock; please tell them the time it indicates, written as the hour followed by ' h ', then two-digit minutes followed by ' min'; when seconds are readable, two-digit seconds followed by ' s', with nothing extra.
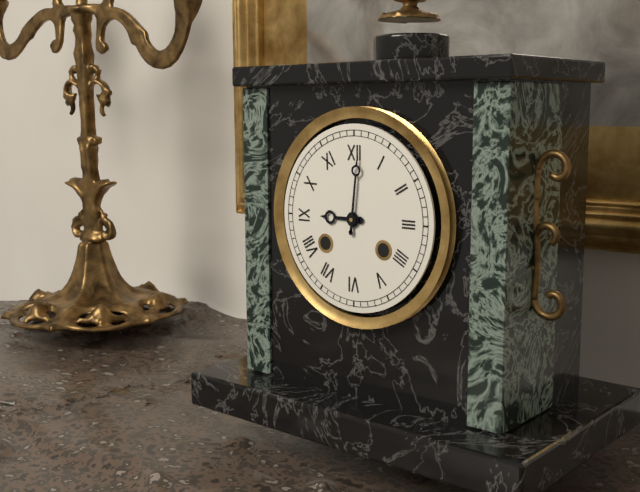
9 h 01 min
